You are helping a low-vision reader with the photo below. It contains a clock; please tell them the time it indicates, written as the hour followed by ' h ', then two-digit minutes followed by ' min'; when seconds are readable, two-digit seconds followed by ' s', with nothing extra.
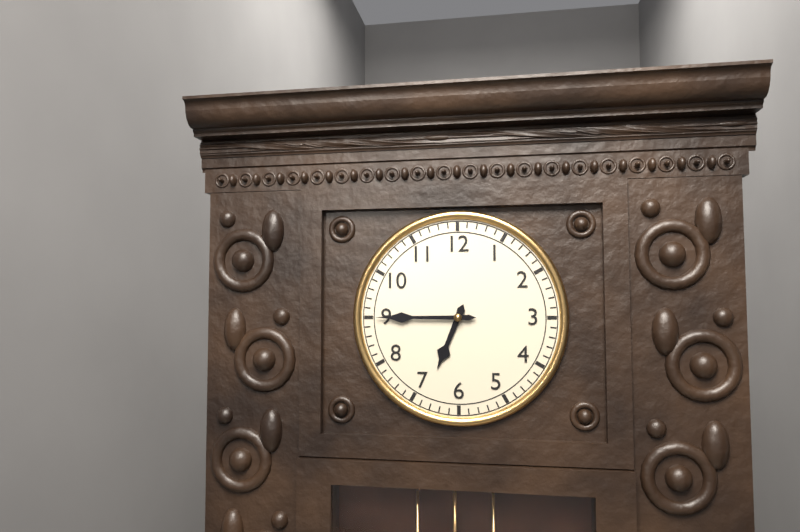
6 h 45 min
